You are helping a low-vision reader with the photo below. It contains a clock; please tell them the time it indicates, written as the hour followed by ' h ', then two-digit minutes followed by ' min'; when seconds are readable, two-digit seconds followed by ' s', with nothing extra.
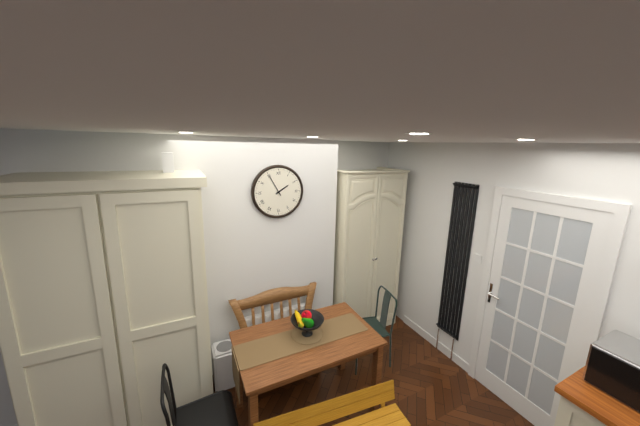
1 h 55 min
